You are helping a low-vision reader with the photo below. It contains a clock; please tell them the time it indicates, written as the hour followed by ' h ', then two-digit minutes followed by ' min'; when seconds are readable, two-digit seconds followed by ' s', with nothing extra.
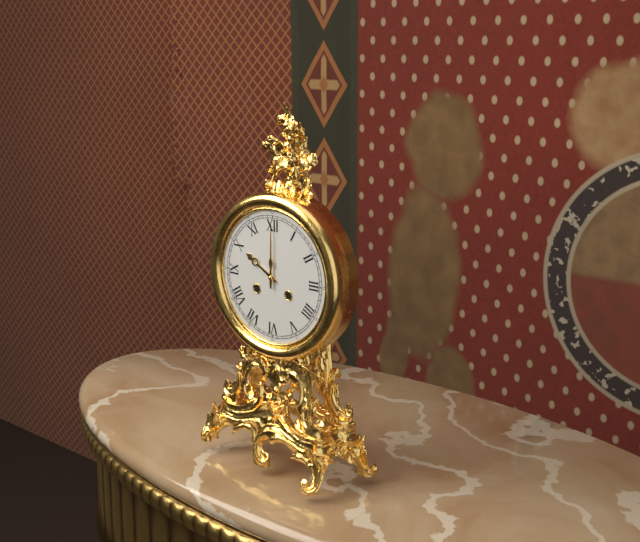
10 h 00 min
